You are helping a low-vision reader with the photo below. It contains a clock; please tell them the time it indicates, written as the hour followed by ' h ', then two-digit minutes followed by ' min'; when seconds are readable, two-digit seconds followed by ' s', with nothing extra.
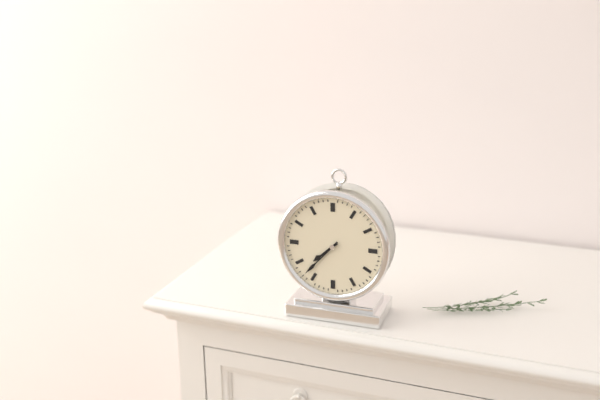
7 h 37 min
